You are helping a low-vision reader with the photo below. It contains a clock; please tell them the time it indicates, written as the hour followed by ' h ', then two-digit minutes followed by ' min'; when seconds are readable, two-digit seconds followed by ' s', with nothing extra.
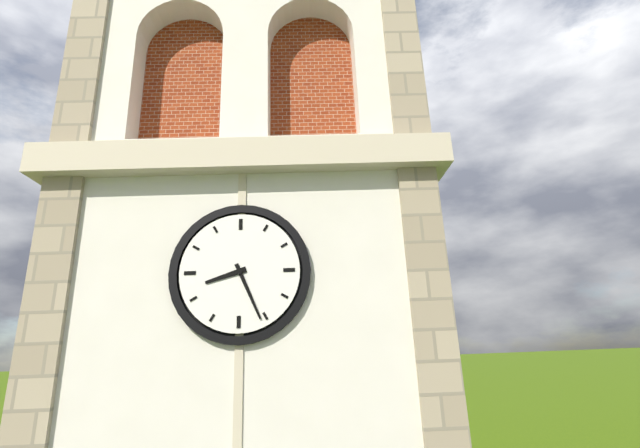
8 h 26 min
